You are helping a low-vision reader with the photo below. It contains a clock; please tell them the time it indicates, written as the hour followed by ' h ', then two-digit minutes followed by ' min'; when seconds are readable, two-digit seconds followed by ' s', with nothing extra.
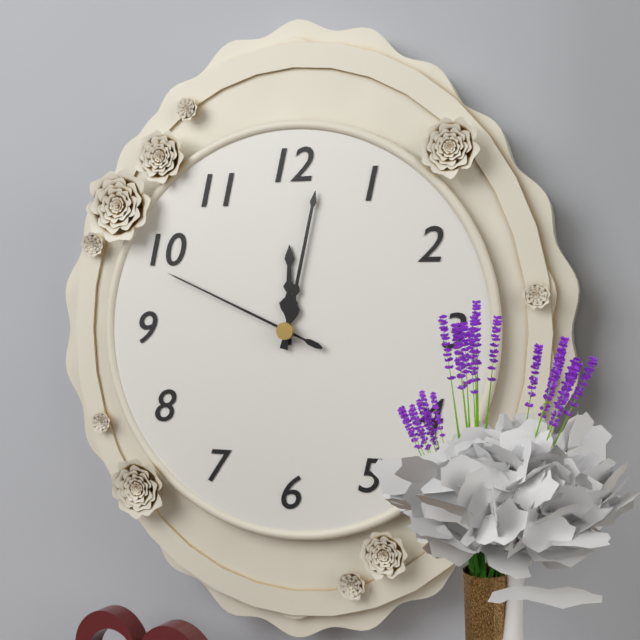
12 h 02 min 49 s
